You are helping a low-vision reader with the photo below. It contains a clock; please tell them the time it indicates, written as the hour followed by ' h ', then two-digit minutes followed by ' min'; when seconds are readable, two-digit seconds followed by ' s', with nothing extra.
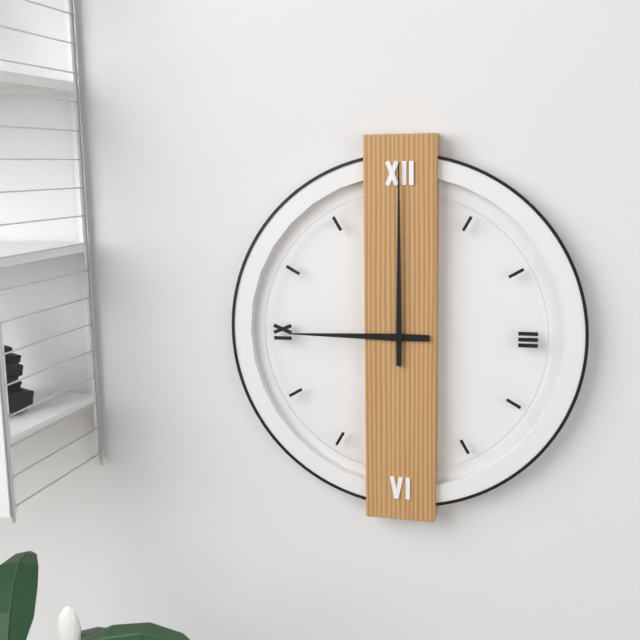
9 h 00 min
